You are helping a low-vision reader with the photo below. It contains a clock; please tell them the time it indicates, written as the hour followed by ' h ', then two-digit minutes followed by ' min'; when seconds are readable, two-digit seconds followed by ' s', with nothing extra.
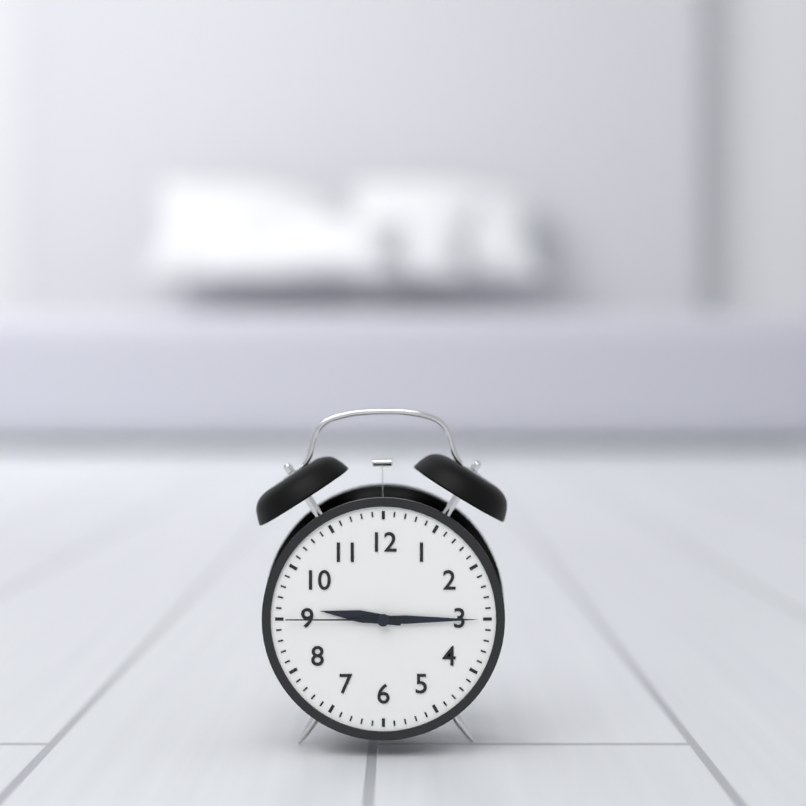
9 h 15 min 45 s
